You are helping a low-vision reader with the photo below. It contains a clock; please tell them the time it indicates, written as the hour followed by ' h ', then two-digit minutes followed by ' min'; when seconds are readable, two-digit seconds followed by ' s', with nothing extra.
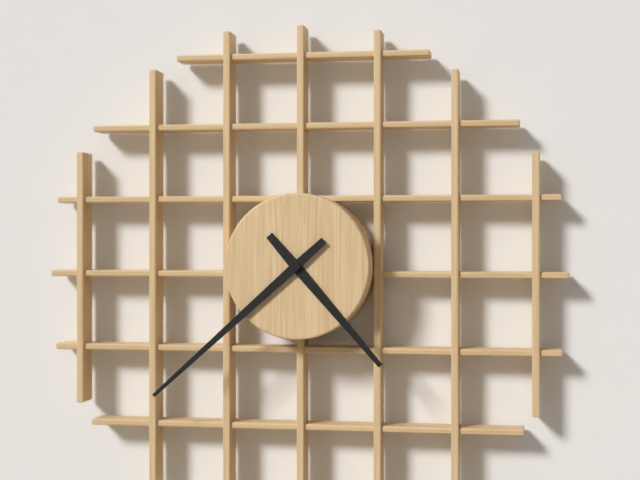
4 h 38 min
